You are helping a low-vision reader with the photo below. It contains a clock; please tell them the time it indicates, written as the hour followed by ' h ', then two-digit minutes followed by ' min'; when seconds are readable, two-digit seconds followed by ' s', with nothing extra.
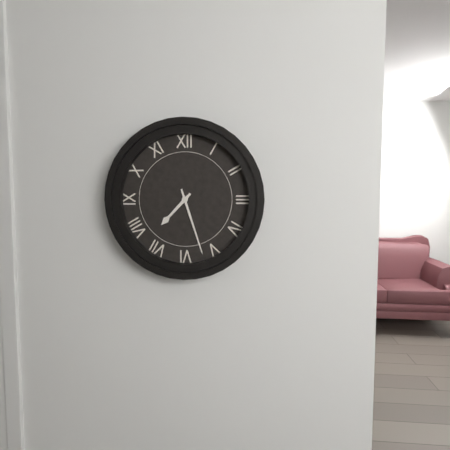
7 h 27 min
